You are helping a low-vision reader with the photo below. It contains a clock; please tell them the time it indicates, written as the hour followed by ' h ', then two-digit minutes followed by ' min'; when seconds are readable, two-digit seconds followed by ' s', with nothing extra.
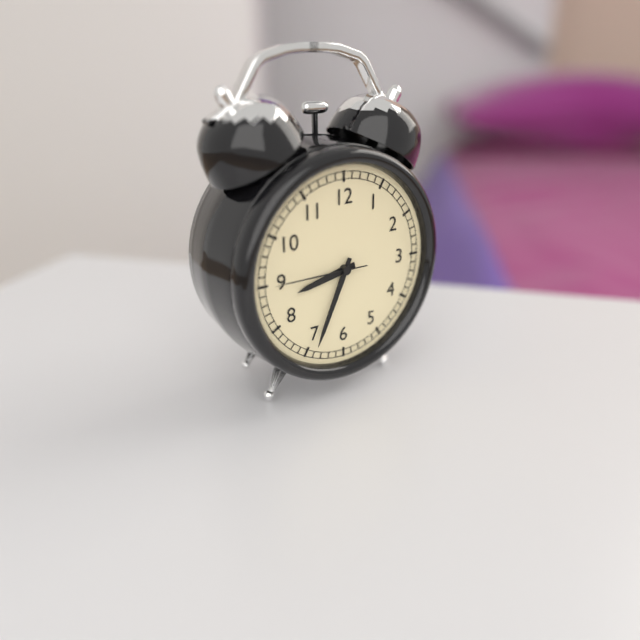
8 h 34 min 45 s
